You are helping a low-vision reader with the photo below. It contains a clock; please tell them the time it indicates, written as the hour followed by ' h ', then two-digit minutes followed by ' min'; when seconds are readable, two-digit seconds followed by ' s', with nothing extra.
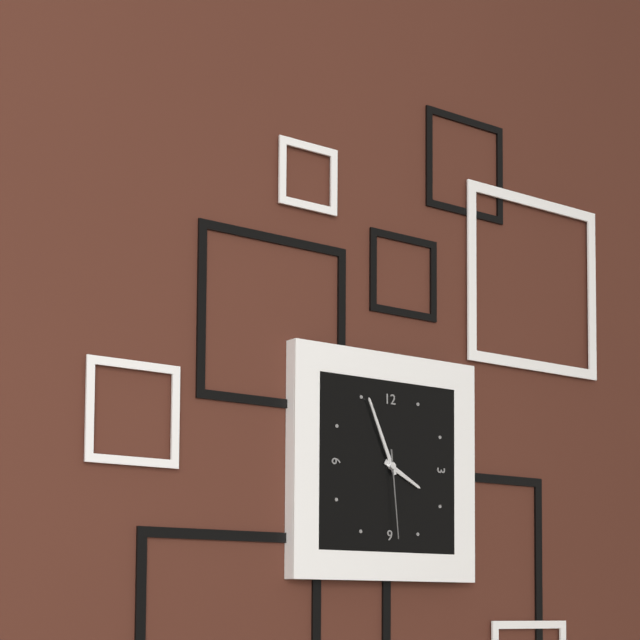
3 h 56 min 29 s
